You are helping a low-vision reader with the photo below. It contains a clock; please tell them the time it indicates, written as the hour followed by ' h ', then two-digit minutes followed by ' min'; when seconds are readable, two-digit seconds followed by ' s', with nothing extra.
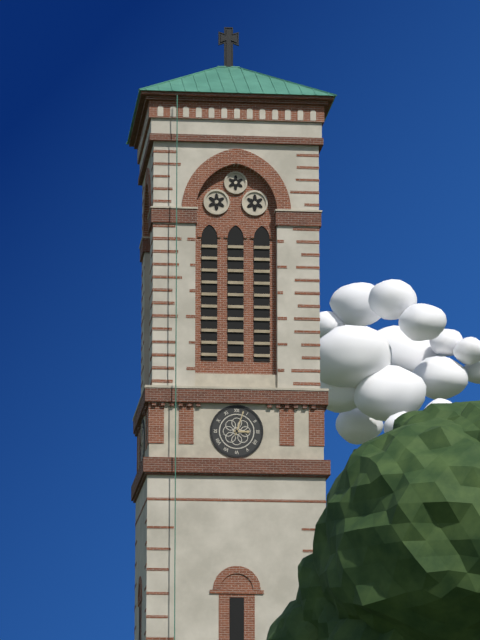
3 h 03 min
